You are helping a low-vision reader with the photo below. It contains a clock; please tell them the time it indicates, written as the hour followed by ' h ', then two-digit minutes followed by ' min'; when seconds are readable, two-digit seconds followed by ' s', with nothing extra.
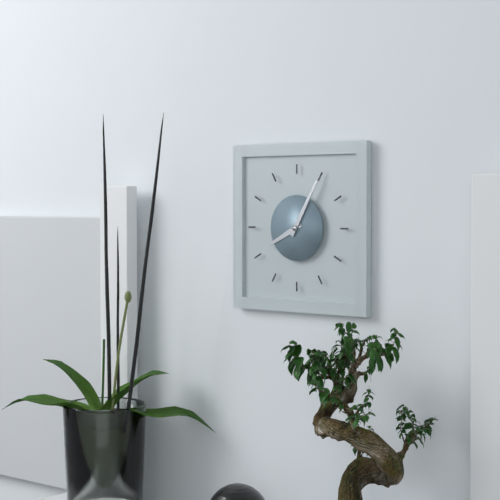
8 h 05 min
